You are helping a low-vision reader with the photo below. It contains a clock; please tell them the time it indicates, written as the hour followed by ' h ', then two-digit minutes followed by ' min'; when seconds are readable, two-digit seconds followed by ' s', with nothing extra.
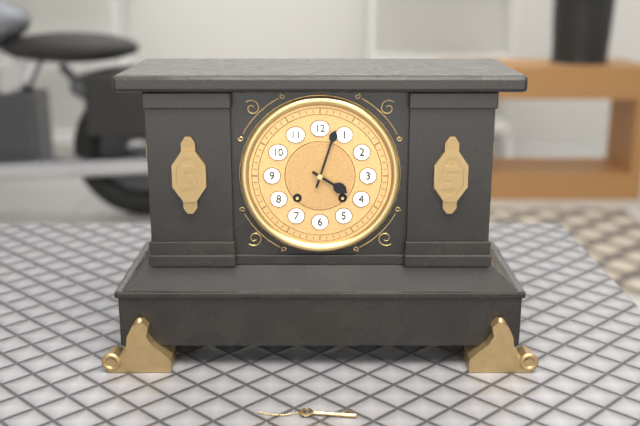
4 h 03 min
